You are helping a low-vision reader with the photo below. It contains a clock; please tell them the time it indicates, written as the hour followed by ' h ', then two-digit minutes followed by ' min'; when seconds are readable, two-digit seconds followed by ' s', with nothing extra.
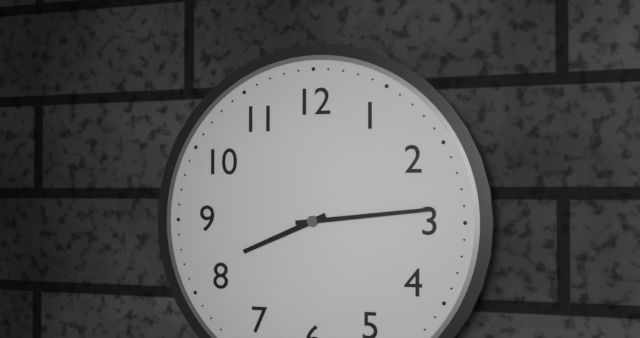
8 h 14 min
